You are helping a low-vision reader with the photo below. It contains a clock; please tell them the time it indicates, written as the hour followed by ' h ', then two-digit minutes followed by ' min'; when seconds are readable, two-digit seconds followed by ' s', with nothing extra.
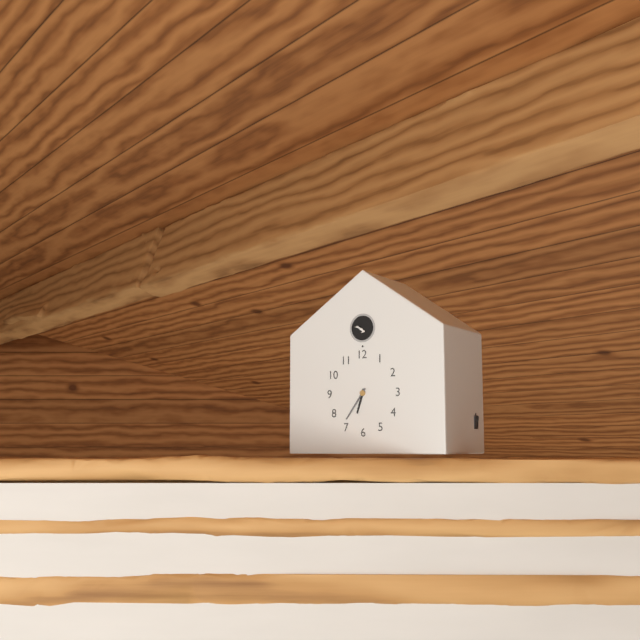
6 h 36 min
